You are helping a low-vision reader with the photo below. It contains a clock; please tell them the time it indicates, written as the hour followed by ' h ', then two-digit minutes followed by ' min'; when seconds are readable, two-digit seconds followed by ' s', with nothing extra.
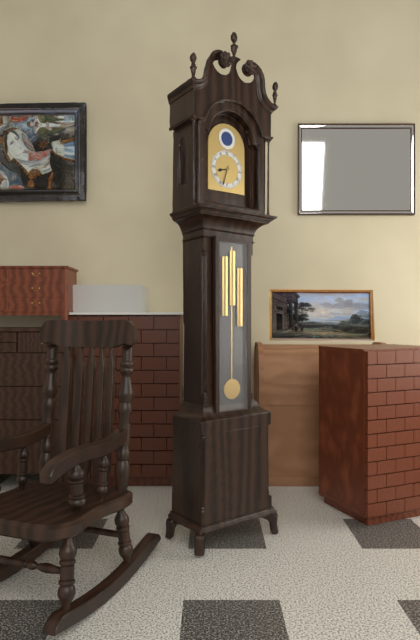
8 h 33 min
